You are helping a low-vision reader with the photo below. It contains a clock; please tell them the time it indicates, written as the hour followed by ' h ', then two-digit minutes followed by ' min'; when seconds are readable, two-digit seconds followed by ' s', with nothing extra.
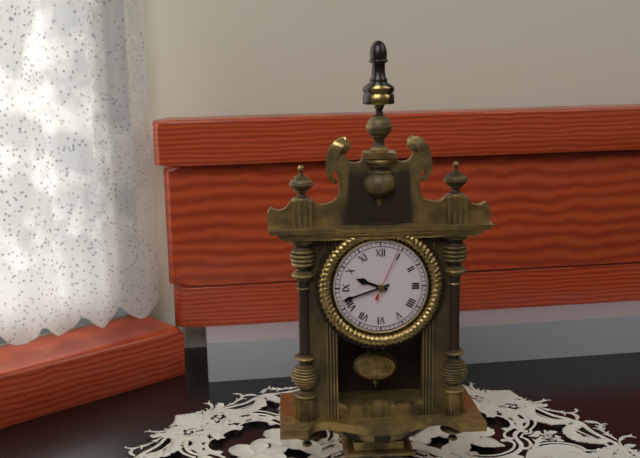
9 h 42 min 04 s
